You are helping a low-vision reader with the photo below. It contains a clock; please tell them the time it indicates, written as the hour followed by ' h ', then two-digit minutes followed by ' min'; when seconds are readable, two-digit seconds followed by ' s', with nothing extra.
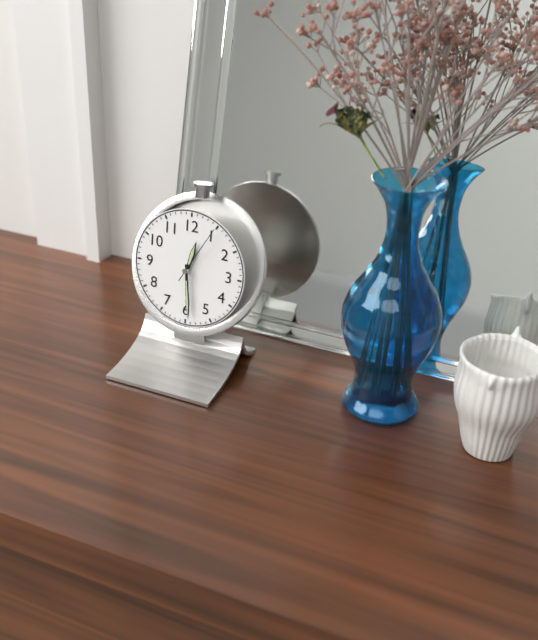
12 h 29 min 05 s
